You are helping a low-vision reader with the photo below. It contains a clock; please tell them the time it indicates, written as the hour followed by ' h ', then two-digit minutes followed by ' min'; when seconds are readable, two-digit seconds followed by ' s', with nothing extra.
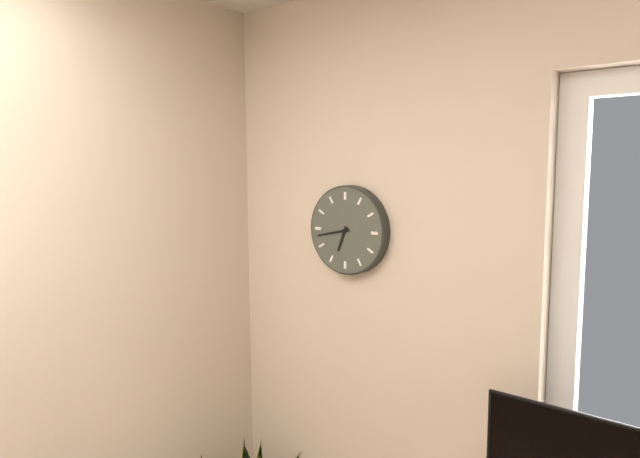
6 h 43 min
